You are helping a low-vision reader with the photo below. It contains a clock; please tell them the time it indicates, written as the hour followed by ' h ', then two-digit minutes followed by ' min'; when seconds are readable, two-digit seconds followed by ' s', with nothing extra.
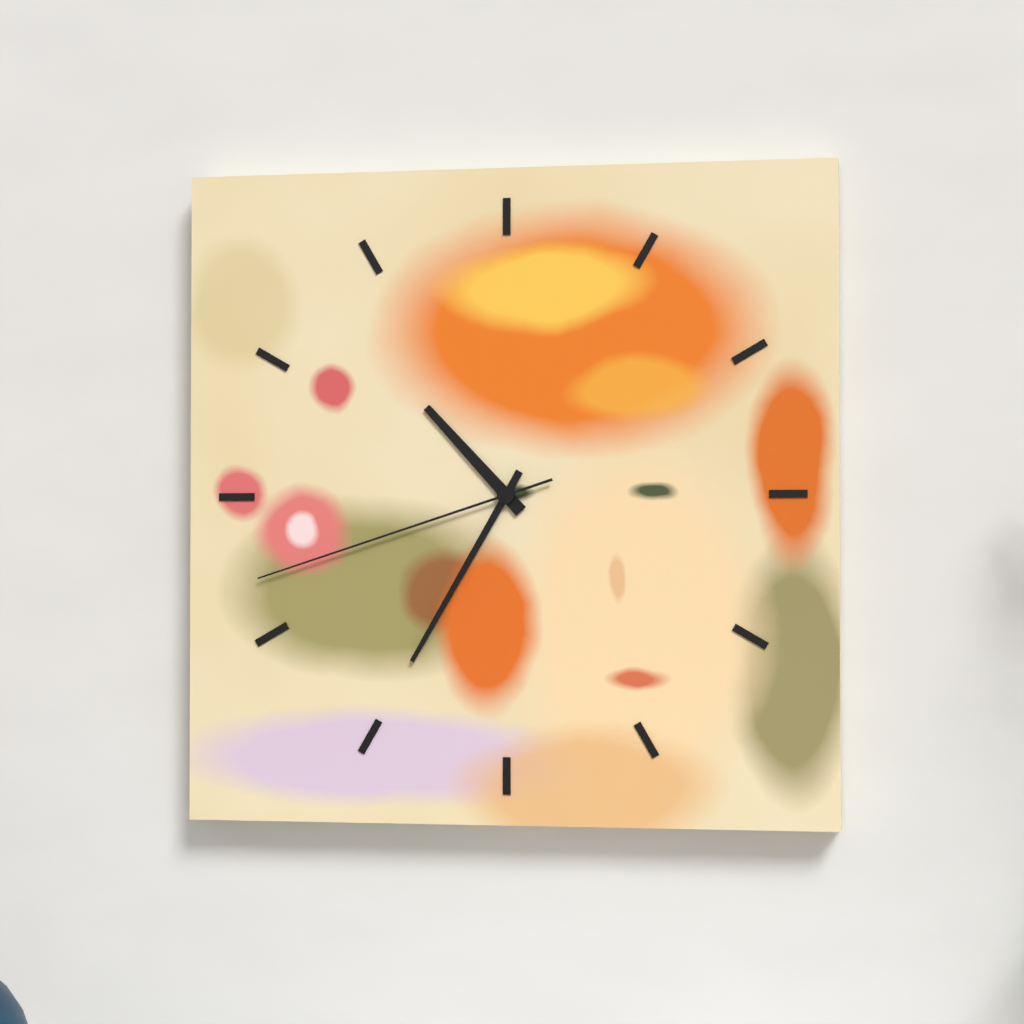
10 h 35 min 42 s
